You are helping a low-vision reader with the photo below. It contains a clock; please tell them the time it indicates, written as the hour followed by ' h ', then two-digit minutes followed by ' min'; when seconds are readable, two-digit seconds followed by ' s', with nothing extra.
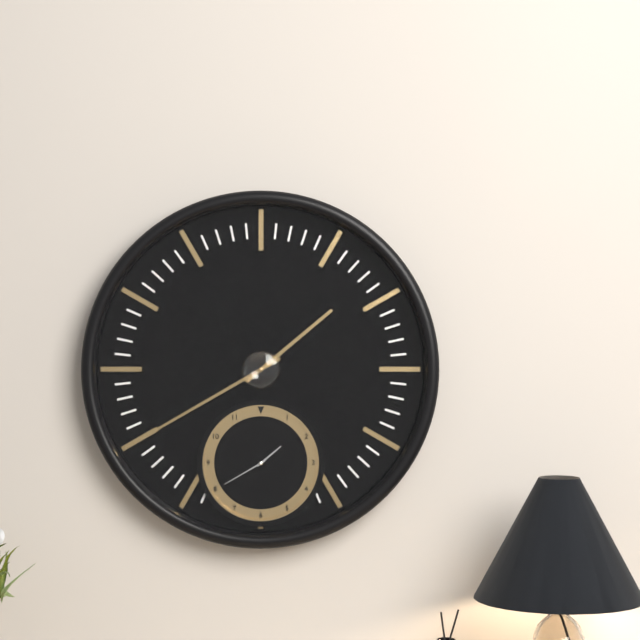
1 h 40 min
